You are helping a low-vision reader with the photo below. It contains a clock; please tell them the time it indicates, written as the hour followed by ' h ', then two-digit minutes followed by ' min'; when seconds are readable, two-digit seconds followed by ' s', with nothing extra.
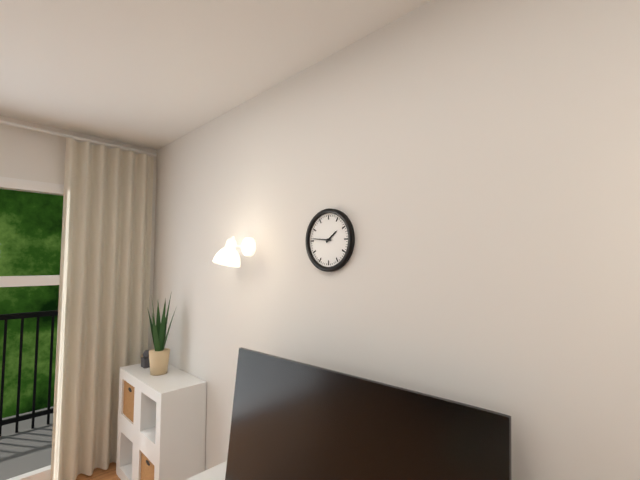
1 h 46 min
